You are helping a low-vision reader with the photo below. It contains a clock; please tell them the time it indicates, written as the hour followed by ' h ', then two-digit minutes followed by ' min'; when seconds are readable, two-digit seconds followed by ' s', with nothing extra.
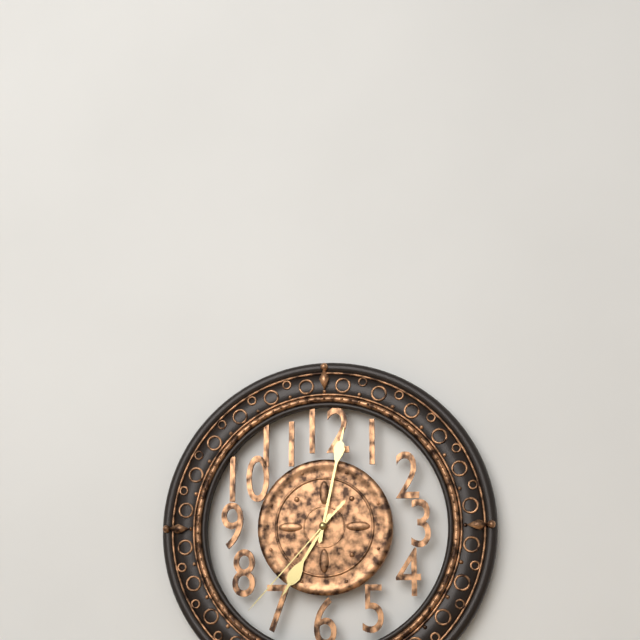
7 h 02 min 37 s
